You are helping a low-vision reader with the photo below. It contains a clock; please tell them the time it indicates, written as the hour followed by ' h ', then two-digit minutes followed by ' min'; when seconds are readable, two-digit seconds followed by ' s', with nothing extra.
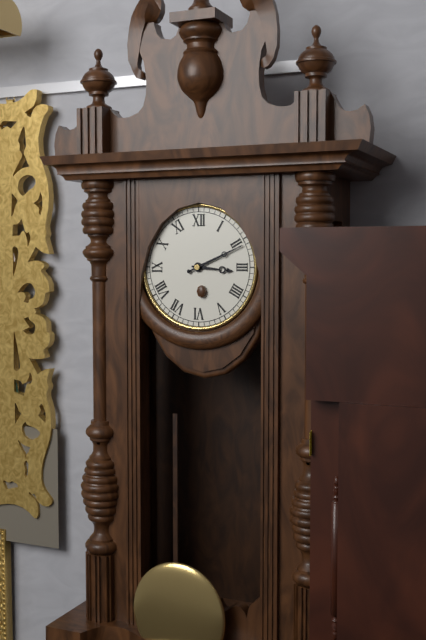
3 h 11 min
